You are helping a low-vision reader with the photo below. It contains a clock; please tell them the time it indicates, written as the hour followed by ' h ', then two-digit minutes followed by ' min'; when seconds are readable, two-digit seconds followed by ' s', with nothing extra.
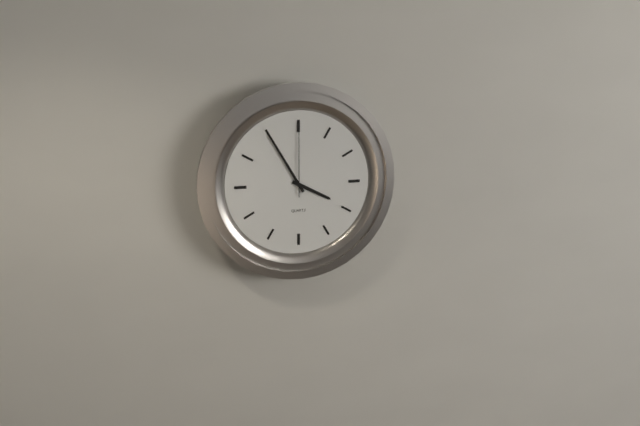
3 h 55 min 00 s
